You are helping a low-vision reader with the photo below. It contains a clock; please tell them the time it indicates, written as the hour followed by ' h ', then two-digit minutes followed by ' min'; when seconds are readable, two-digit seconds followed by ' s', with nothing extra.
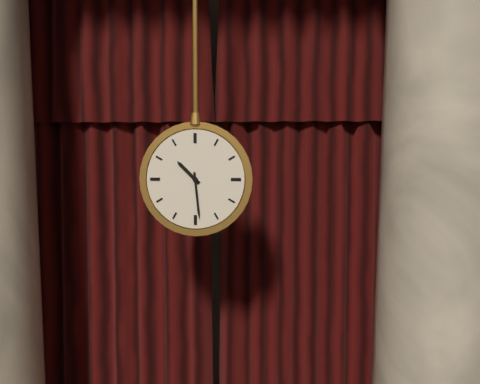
10 h 29 min
